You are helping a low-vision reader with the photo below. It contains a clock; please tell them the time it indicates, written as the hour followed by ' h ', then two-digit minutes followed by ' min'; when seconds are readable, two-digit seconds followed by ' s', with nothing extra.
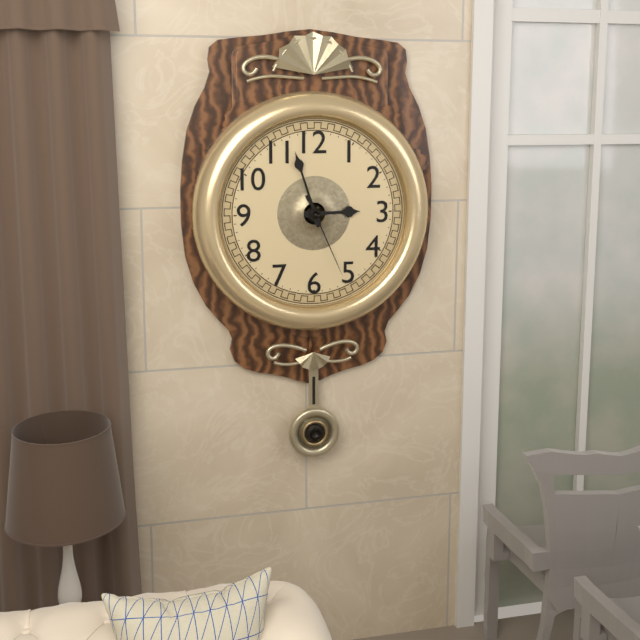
2 h 57 min 26 s
